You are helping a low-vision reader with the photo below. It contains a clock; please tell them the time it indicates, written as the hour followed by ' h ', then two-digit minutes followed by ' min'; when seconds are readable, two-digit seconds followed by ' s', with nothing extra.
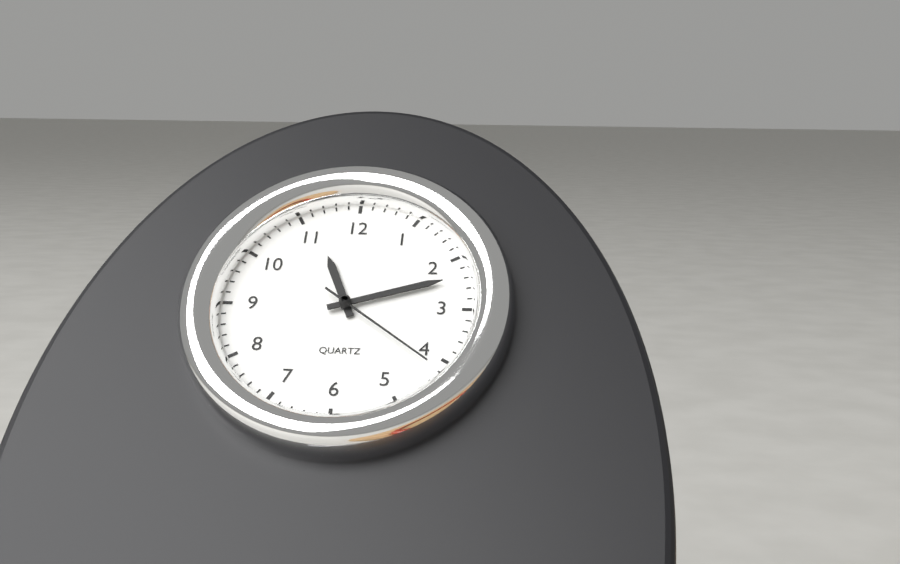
11 h 12 min 21 s
